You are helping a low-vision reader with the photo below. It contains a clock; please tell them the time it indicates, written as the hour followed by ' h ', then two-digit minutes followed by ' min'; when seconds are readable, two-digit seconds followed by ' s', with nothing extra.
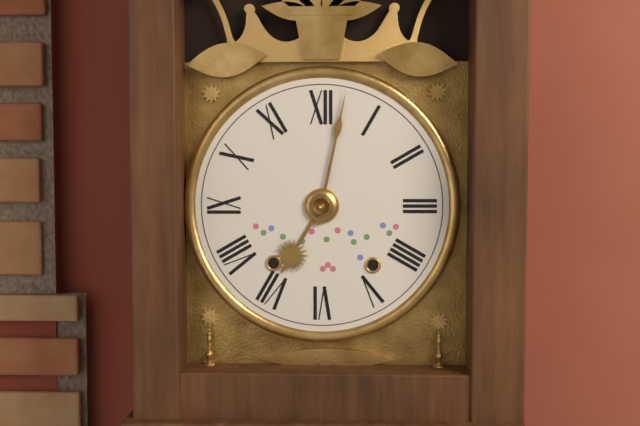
7 h 02 min
